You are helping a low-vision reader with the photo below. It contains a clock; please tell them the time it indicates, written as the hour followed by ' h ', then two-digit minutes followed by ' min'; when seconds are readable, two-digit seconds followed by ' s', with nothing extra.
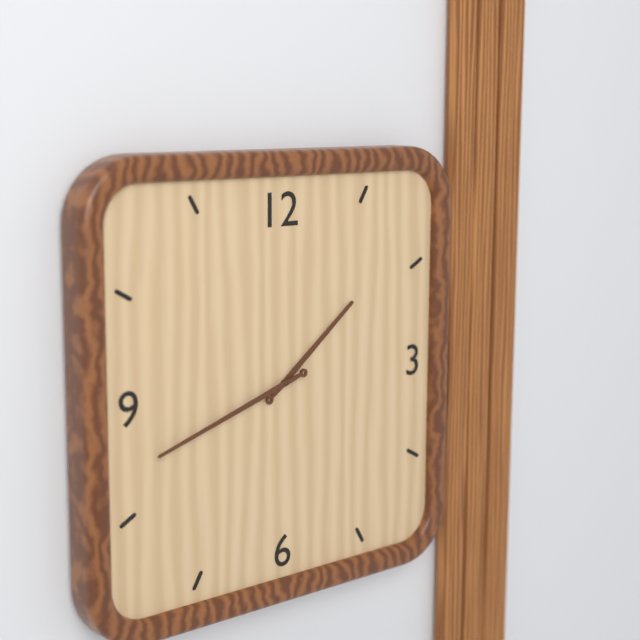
1 h 42 min
